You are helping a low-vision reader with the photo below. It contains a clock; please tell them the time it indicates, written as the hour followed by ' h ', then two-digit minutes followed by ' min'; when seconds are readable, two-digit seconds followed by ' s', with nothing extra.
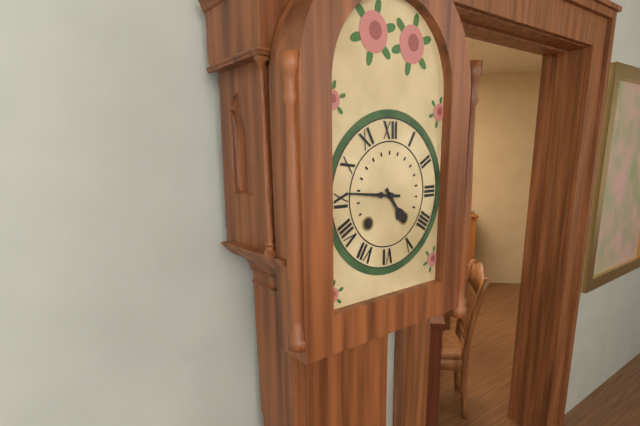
4 h 46 min
